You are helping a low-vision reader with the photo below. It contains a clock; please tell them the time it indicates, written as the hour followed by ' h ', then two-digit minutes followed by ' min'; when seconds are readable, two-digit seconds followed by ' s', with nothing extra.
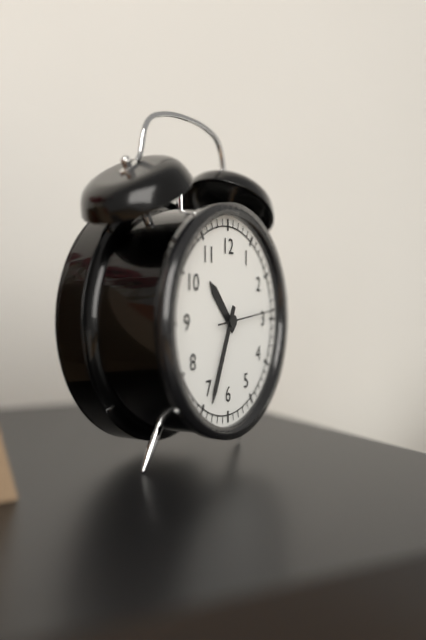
10 h 34 min 14 s
